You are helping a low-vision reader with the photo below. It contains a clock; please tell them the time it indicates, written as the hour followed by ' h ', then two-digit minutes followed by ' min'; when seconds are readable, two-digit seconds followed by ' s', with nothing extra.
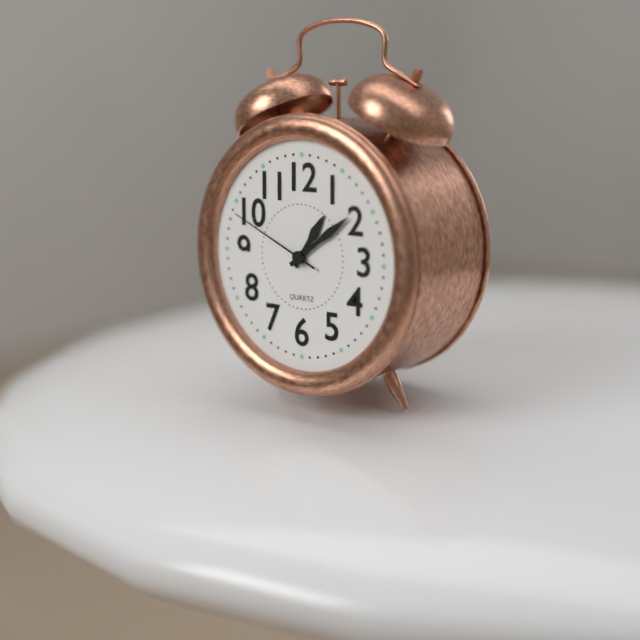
1 h 09 min 49 s
